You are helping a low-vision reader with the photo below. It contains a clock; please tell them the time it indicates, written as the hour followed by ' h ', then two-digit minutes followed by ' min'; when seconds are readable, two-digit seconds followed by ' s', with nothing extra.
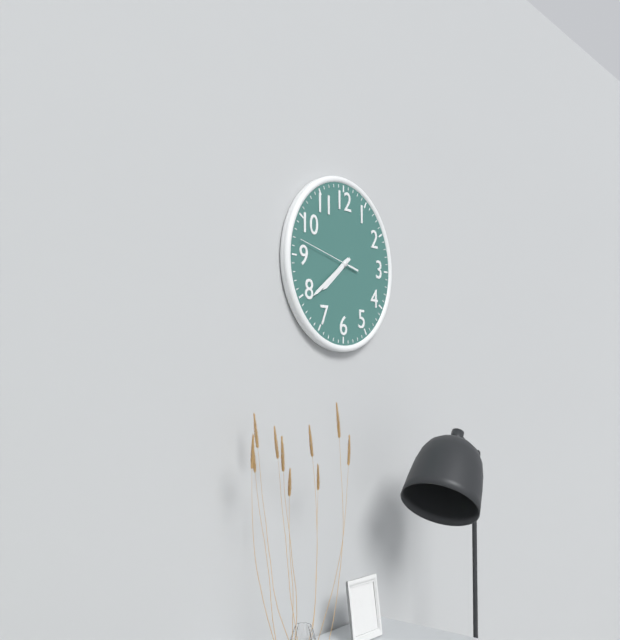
7 h 39 min 47 s
